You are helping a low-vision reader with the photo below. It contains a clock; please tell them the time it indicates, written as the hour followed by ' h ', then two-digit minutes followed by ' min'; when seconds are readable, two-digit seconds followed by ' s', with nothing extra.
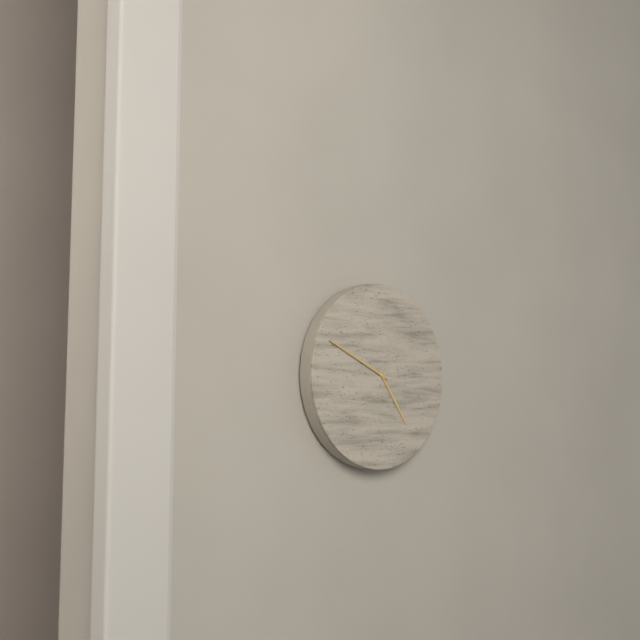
4 h 49 min
